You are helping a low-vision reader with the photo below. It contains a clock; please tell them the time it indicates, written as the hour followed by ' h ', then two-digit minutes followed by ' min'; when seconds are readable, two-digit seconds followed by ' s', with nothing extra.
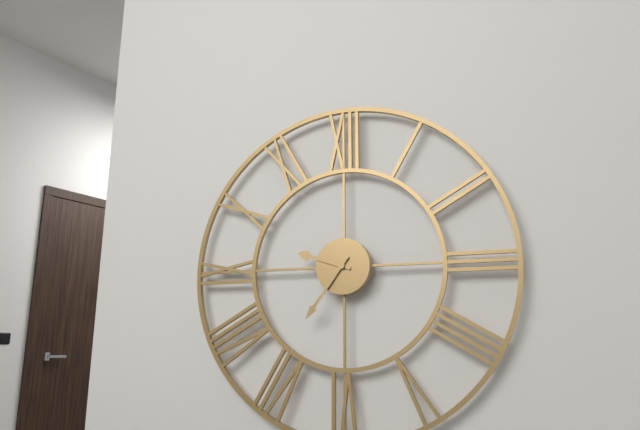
9 h 36 min
